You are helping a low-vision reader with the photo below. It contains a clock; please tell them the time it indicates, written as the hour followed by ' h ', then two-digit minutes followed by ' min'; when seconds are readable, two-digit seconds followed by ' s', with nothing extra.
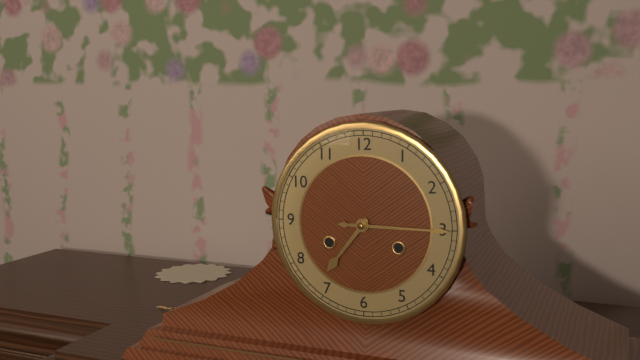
7 h 15 min
